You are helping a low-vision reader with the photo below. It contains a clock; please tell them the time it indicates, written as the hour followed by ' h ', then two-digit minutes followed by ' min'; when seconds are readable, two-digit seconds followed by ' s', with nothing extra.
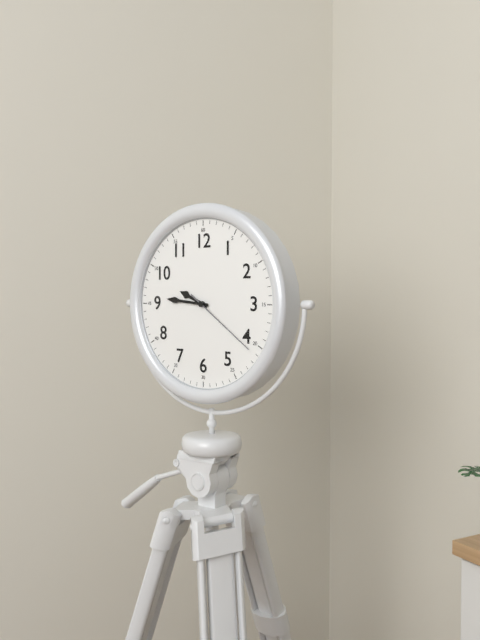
9 h 46 min 21 s
